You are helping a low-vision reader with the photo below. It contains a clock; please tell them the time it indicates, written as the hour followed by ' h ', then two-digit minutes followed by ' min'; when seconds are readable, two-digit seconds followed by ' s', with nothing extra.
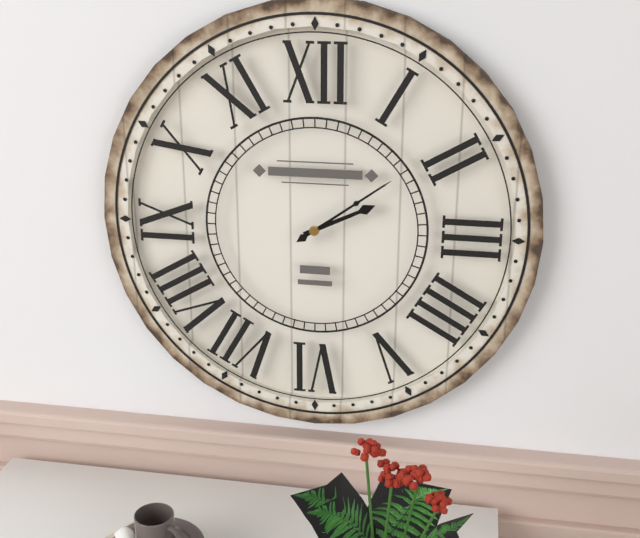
2 h 09 min
